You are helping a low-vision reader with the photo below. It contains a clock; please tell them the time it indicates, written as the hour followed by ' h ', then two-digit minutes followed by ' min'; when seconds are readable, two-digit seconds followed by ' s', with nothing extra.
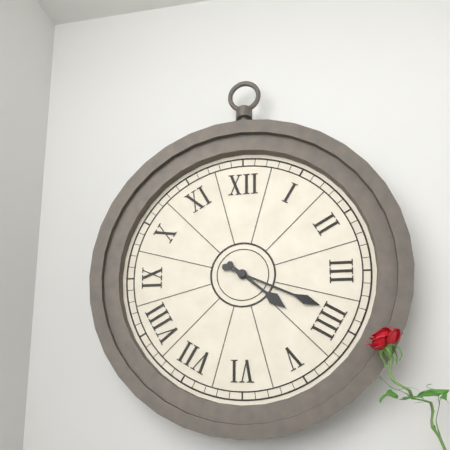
4 h 19 min
